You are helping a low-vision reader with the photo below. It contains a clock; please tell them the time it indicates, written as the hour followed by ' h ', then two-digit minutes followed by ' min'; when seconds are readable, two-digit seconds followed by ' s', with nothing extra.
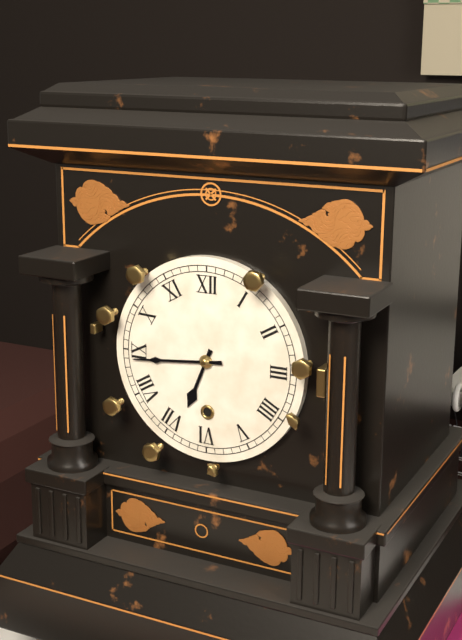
6 h 44 min
